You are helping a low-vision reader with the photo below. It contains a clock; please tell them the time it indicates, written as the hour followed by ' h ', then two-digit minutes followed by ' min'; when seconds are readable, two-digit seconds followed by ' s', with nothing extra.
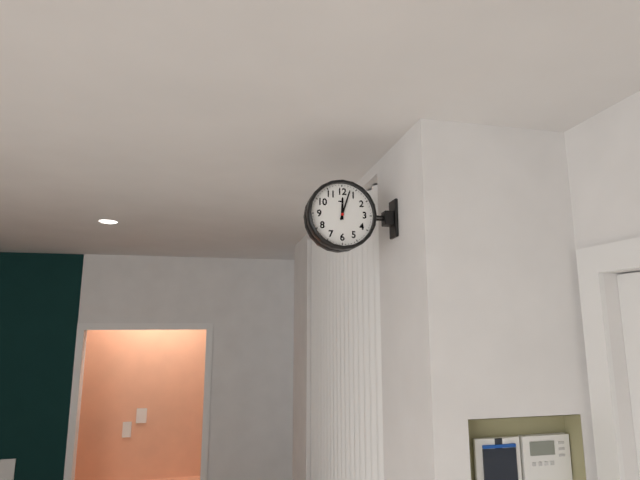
12 h 03 min
